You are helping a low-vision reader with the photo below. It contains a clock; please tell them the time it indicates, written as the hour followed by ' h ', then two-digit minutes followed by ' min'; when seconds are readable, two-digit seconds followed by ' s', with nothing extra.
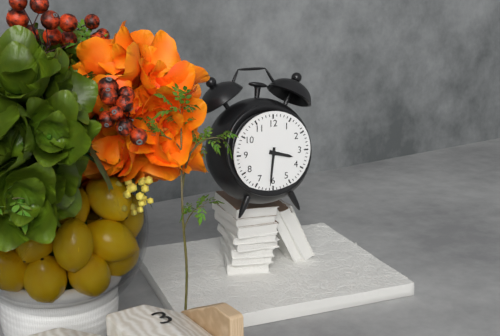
3 h 31 min
